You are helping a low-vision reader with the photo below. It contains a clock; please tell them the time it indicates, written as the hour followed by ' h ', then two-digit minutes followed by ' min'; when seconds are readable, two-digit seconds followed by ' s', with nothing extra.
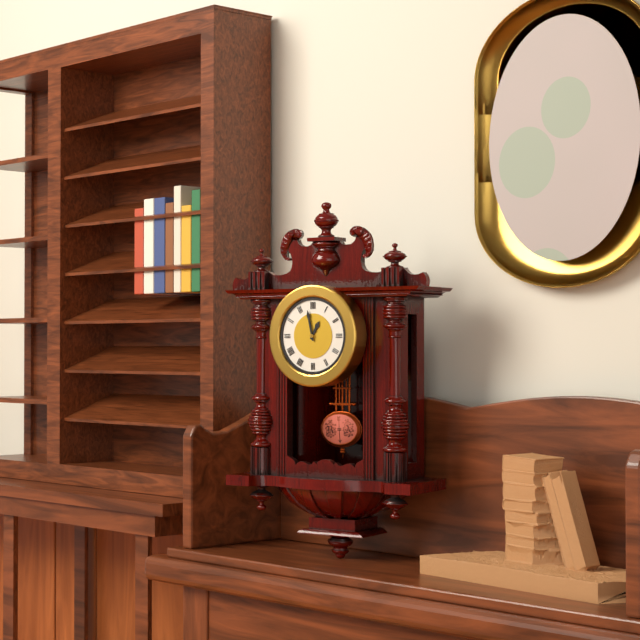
12 h 58 min
